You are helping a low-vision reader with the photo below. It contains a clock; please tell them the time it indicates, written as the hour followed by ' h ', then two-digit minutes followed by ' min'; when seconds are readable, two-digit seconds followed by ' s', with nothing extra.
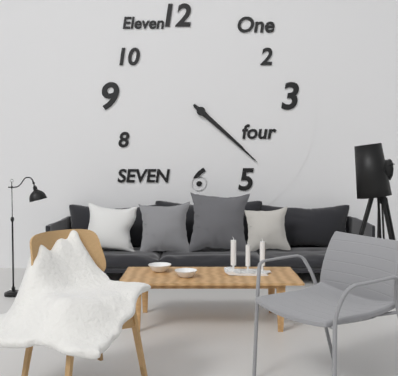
4 h 22 min
